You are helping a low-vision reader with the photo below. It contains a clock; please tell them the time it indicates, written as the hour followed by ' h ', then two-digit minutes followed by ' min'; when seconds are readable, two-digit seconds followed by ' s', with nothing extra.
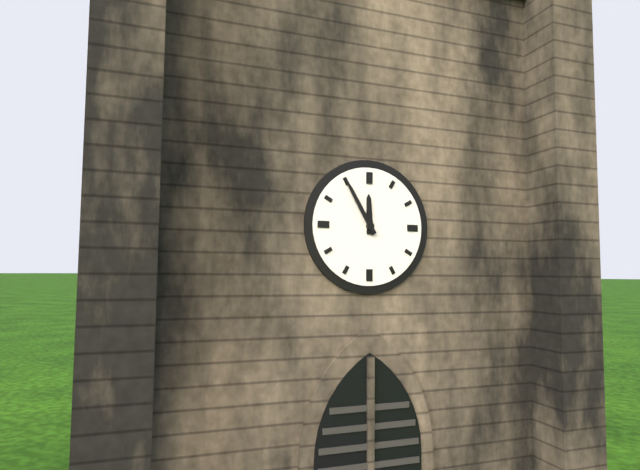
11 h 55 min
